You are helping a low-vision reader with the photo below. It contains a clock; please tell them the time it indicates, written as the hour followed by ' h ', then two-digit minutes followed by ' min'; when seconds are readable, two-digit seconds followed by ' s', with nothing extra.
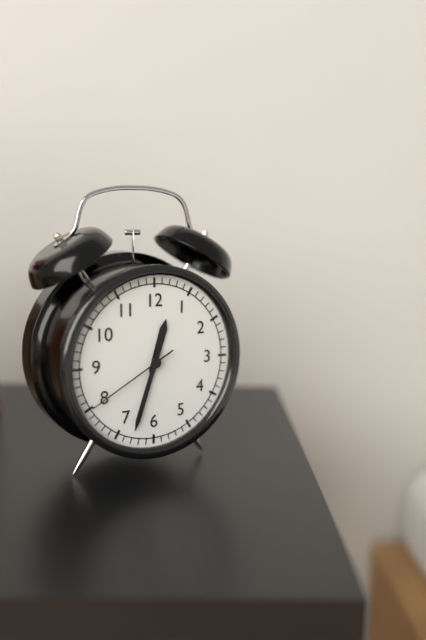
12 h 33 min 40 s
